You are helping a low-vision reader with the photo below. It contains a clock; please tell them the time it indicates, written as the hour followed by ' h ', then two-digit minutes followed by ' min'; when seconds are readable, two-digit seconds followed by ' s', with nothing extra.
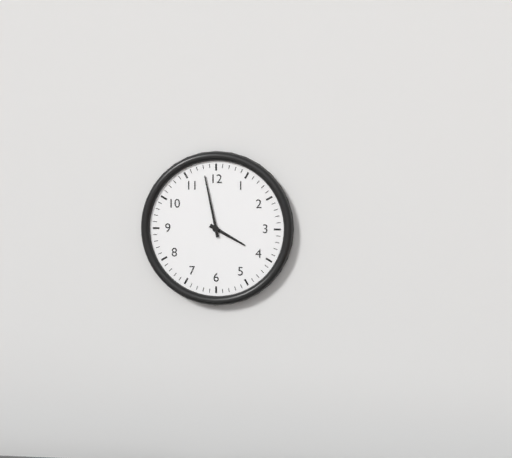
3 h 58 min
